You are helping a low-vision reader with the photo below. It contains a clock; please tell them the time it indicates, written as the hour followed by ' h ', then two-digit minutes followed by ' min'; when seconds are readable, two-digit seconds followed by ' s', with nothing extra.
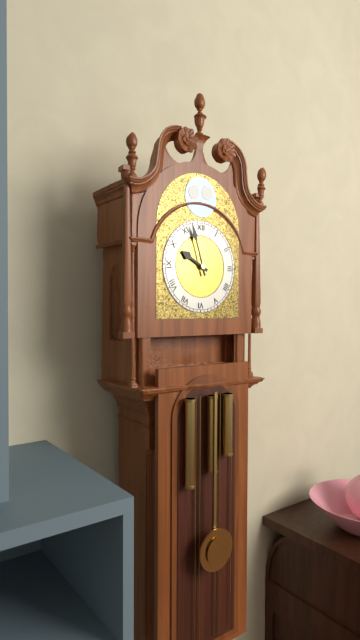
9 h 57 min
